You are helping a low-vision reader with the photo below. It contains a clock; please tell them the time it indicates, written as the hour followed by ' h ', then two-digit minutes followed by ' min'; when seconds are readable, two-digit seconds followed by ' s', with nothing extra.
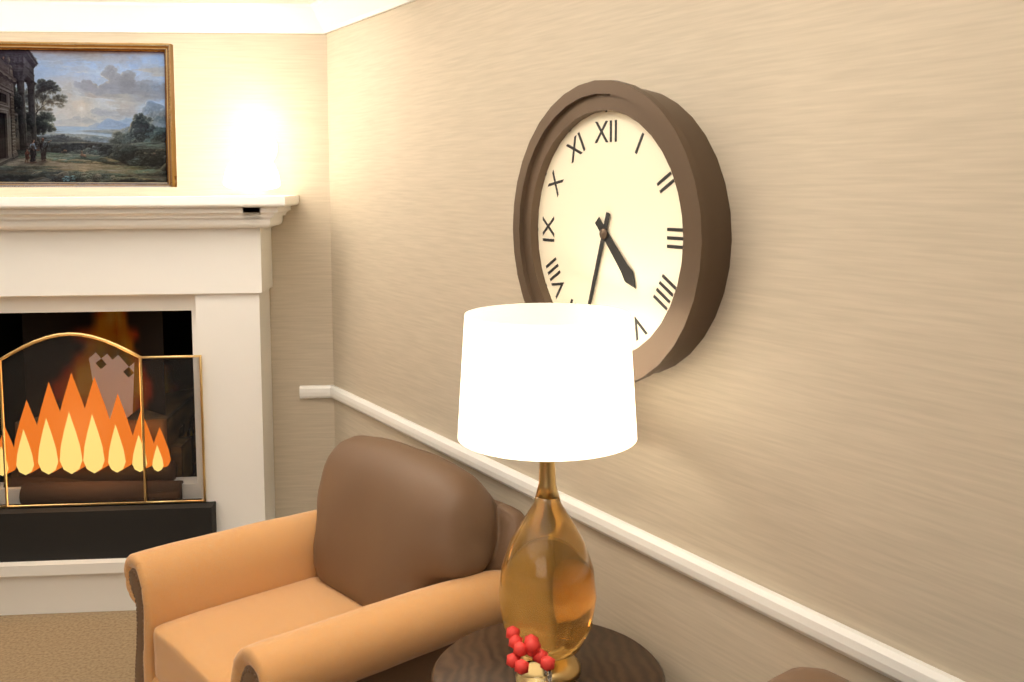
4 h 33 min
